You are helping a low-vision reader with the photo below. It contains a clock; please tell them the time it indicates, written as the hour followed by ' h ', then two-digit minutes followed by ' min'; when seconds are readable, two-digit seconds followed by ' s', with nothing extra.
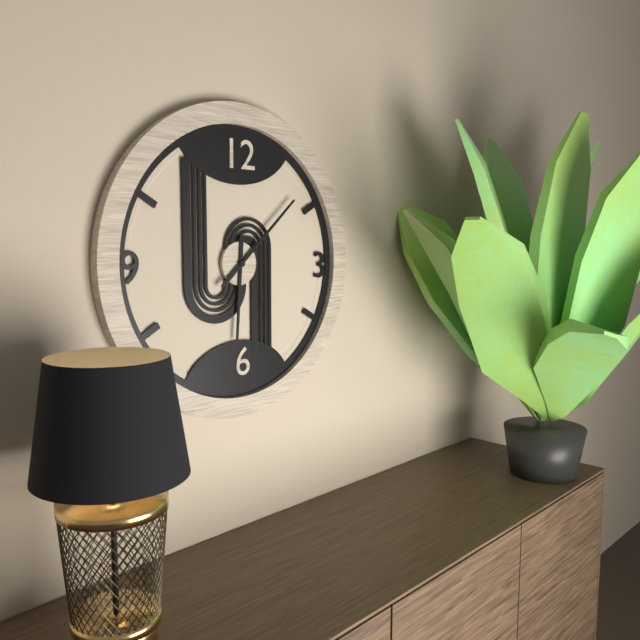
6 h 08 min
